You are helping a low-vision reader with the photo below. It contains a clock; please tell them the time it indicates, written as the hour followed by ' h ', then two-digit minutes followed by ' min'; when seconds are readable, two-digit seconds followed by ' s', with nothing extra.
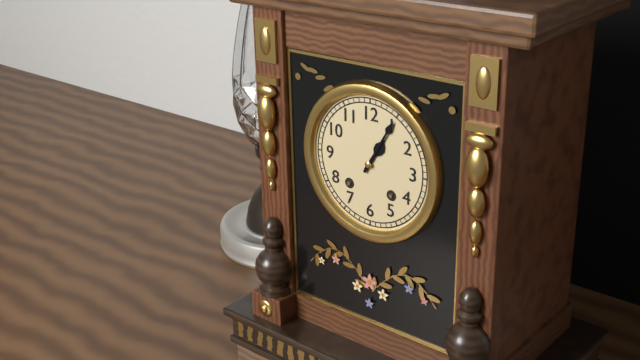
1 h 05 min
